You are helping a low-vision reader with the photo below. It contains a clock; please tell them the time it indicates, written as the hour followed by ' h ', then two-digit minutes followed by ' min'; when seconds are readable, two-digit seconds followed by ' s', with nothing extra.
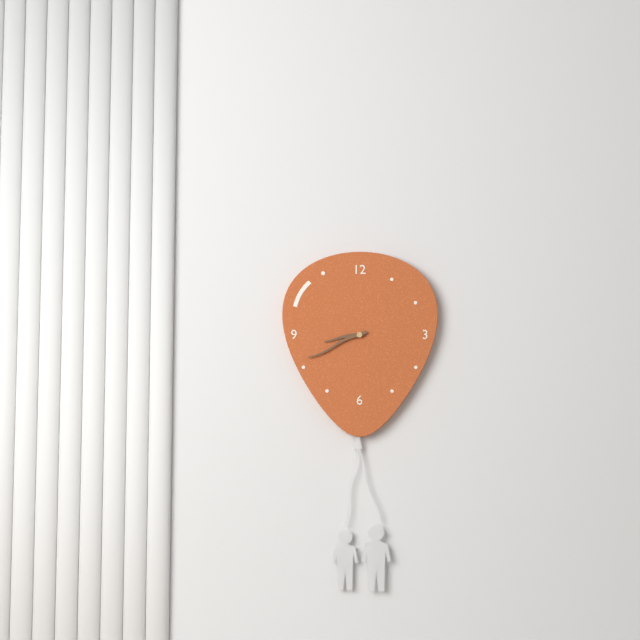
8 h 41 min
